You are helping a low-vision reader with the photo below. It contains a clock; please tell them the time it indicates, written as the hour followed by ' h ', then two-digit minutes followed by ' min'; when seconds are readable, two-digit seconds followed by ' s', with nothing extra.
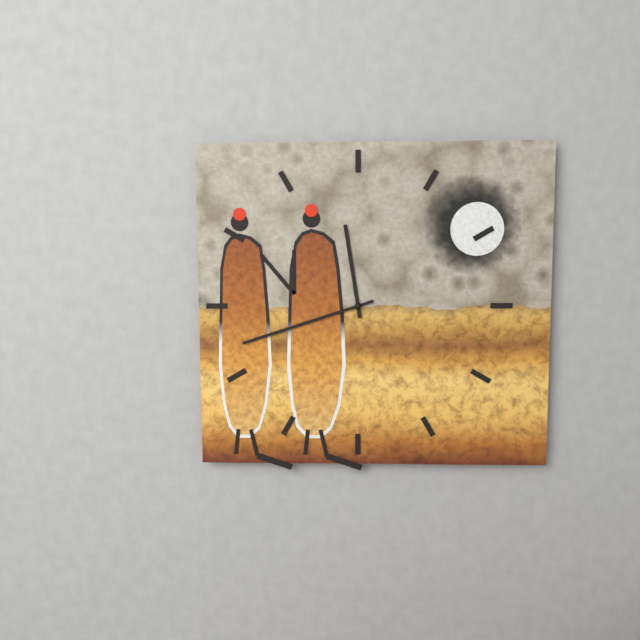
11 h 42 min
